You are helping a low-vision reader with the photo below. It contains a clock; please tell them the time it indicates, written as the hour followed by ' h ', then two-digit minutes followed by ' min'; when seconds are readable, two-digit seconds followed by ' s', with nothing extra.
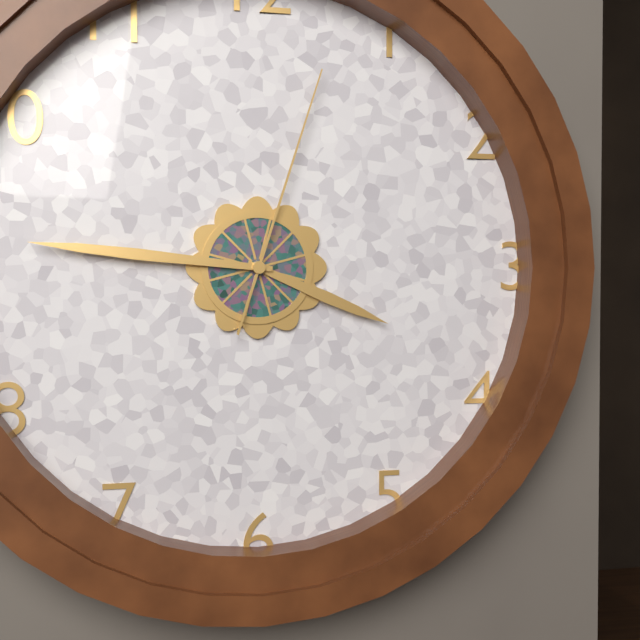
3 h 46 min 03 s
